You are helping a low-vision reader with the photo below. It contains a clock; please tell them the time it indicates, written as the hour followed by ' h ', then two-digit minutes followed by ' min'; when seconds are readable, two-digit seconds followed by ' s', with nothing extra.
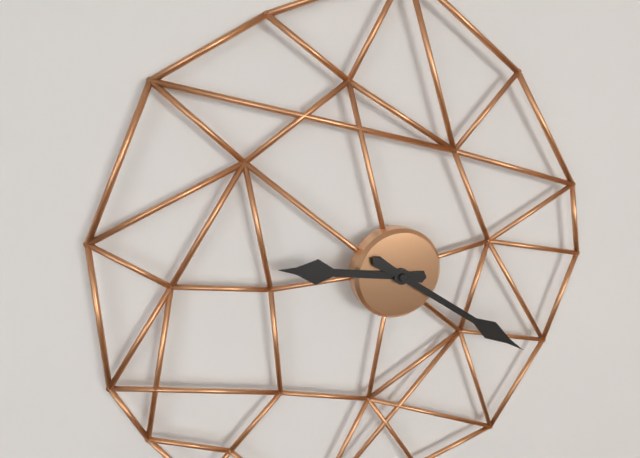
9 h 21 min
